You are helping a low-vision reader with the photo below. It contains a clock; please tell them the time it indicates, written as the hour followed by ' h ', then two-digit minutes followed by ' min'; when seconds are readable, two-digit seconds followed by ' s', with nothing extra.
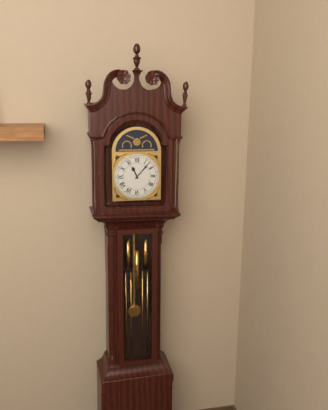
11 h 07 min
